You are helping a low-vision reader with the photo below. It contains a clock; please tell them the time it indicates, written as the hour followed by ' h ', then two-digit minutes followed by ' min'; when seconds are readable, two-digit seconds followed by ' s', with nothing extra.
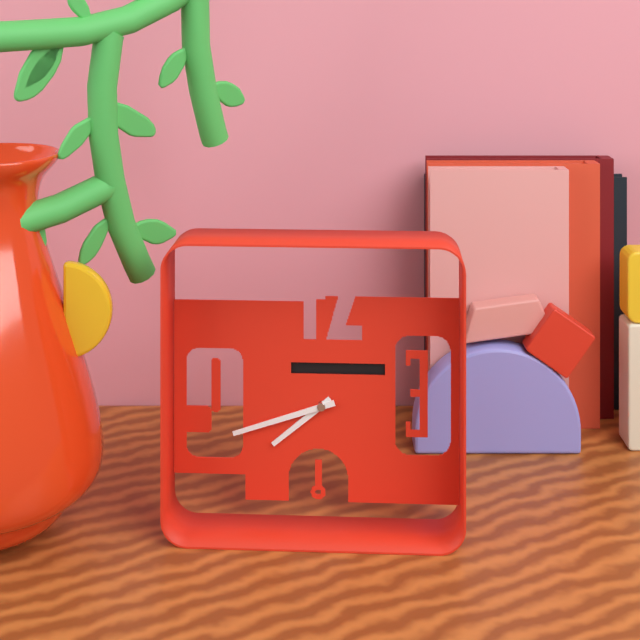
7 h 42 min
